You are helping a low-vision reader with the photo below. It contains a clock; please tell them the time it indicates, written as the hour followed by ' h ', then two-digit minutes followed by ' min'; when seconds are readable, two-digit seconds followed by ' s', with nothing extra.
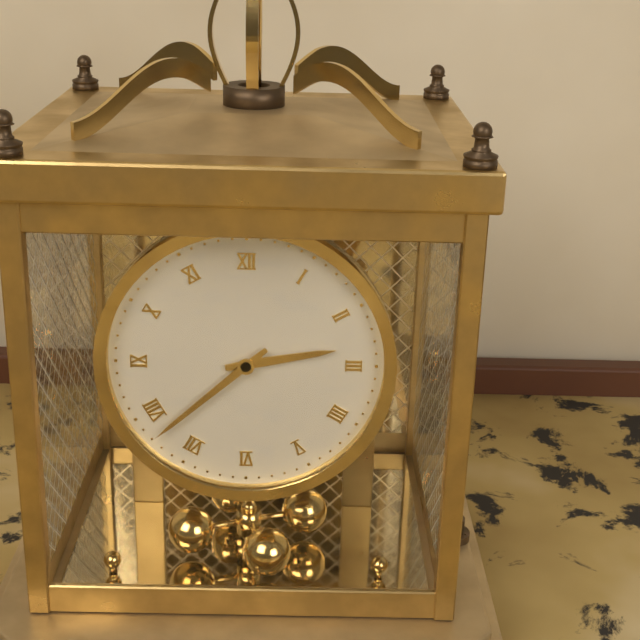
2 h 38 min
